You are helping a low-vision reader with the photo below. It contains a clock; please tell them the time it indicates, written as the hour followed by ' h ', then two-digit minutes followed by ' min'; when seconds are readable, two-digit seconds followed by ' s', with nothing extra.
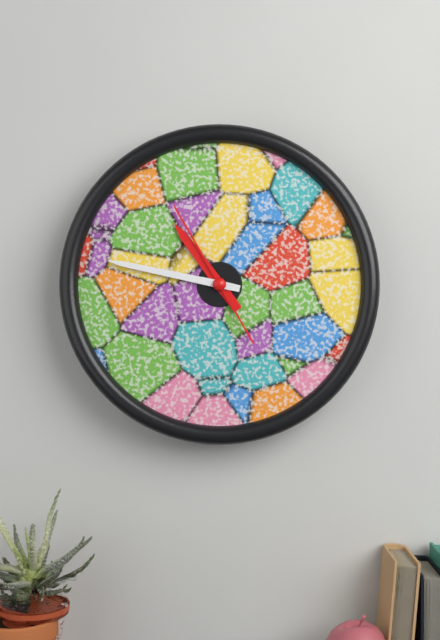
10 h 47 min 55 s
